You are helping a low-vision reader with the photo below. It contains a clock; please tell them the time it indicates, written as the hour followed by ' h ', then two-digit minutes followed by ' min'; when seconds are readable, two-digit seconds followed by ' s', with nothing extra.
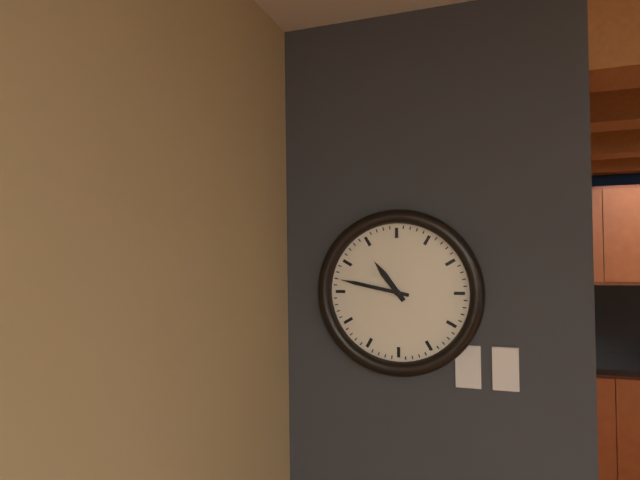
10 h 47 min
